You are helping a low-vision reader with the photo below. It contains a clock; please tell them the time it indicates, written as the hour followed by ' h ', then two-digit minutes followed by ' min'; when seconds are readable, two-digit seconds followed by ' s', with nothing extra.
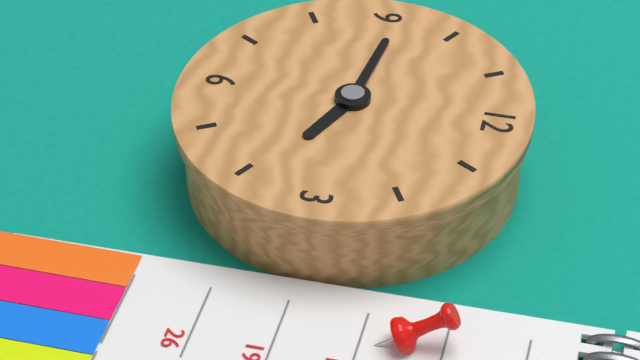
3 h 46 min
